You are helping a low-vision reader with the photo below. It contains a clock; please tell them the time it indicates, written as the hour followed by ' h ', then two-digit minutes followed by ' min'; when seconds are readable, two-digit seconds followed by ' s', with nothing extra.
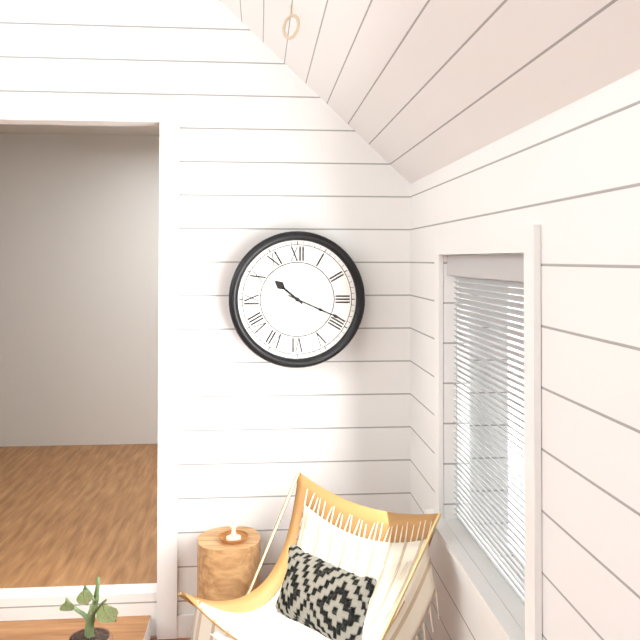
10 h 19 min
